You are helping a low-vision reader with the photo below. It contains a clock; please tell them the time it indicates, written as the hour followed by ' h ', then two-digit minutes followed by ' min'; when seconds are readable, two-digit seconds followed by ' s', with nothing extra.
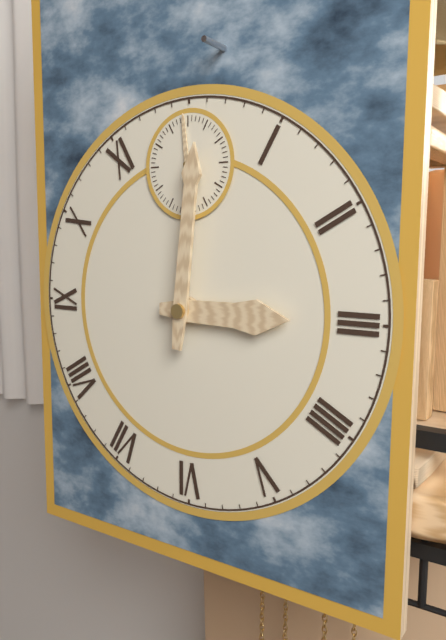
3 h 01 min 59 s
